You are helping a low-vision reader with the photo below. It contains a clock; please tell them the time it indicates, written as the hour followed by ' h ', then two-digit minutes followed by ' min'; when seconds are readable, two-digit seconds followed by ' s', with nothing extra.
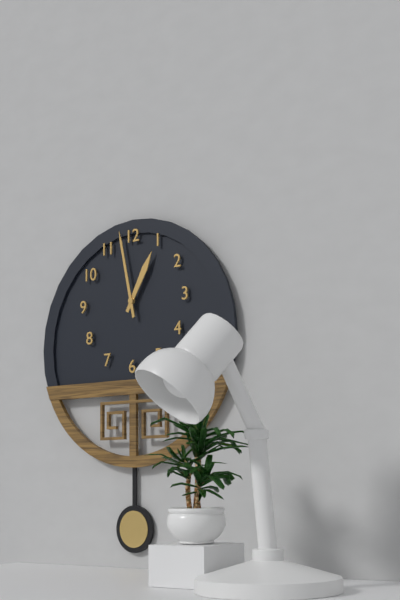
12 h 58 min
